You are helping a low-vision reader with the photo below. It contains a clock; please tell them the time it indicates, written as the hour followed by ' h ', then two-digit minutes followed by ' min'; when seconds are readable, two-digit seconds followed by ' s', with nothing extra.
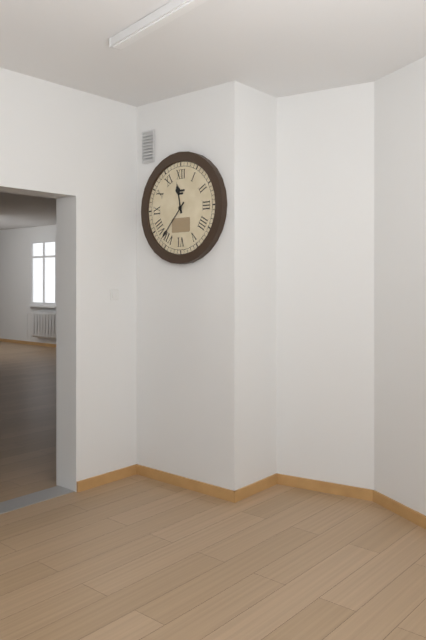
11 h 37 min
